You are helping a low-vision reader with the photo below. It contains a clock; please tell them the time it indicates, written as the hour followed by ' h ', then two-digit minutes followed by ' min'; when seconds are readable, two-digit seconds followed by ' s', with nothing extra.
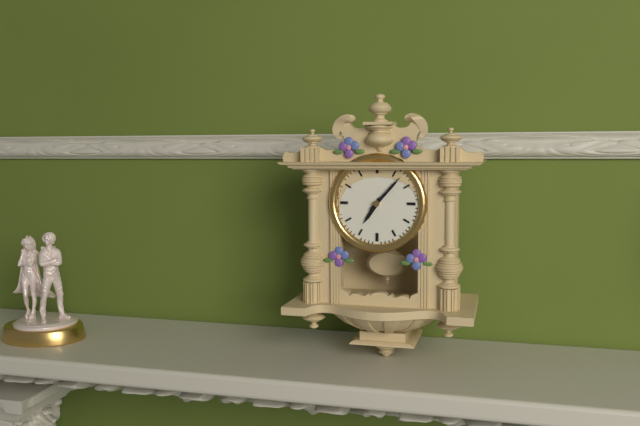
7 h 07 min
